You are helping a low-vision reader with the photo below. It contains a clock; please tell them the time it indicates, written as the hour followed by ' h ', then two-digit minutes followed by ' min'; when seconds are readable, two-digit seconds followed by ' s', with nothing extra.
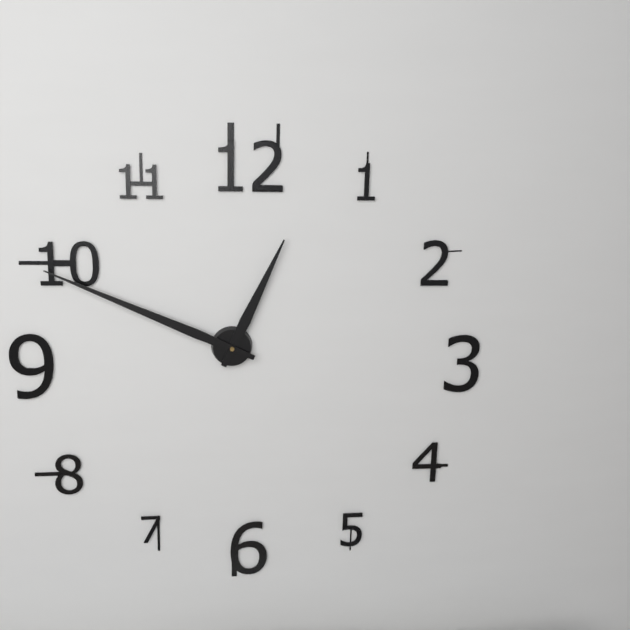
12 h 49 min
